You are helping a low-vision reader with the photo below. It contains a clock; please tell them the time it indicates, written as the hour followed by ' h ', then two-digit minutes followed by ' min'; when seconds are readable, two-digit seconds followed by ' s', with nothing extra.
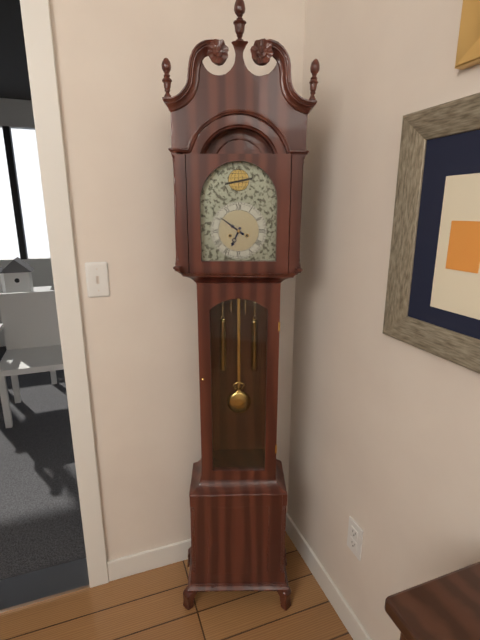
6 h 51 min
